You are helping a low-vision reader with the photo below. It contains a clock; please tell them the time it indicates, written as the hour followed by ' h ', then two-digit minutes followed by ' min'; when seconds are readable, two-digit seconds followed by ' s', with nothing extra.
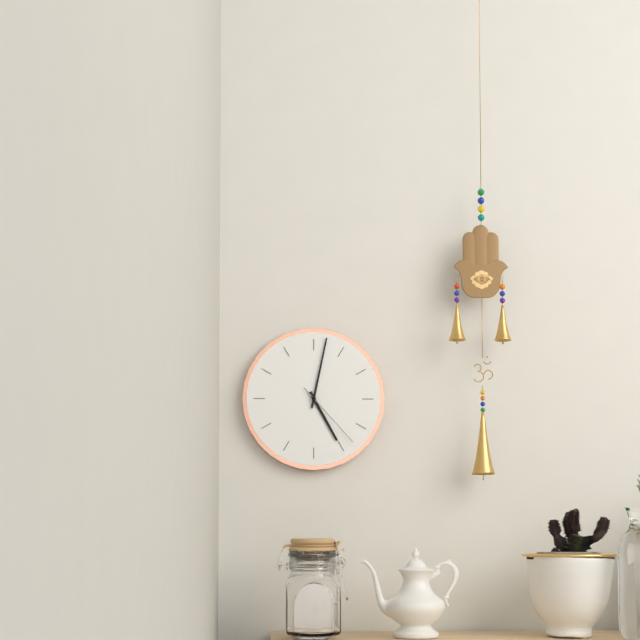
5 h 02 min 23 s
